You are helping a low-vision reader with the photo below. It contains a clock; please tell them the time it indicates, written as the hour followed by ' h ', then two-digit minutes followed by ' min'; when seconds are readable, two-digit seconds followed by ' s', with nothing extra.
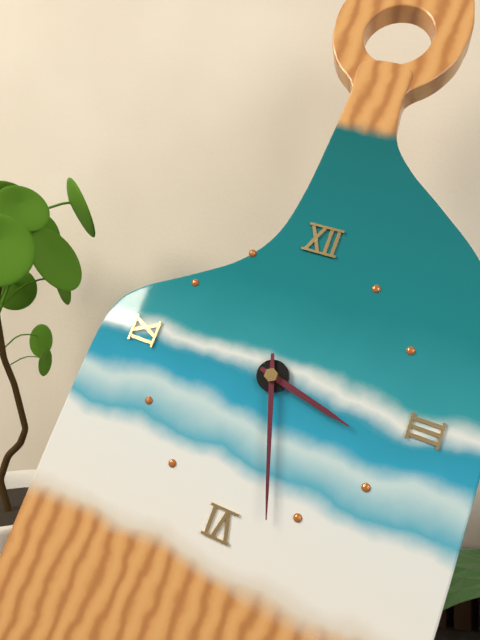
3 h 27 min
